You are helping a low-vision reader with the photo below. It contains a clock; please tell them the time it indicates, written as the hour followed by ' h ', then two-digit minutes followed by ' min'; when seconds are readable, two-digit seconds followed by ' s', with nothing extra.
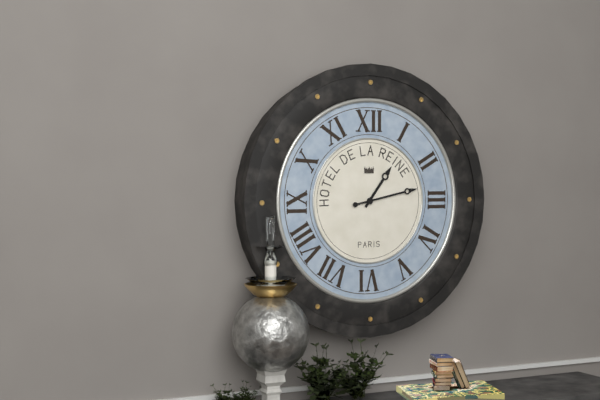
1 h 13 min
